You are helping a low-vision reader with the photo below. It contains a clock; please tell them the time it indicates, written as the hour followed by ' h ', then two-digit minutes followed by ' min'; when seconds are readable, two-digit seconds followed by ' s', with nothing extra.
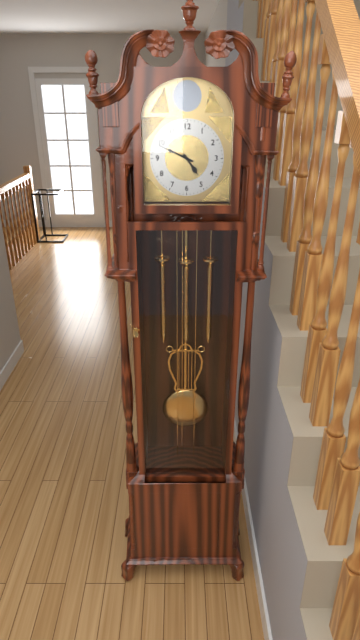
4 h 49 min
